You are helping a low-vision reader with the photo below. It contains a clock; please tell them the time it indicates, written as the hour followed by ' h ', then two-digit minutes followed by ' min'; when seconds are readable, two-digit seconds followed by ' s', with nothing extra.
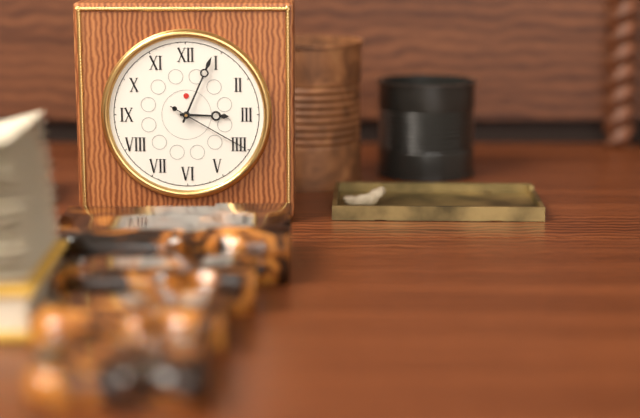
3 h 04 min 20 s
